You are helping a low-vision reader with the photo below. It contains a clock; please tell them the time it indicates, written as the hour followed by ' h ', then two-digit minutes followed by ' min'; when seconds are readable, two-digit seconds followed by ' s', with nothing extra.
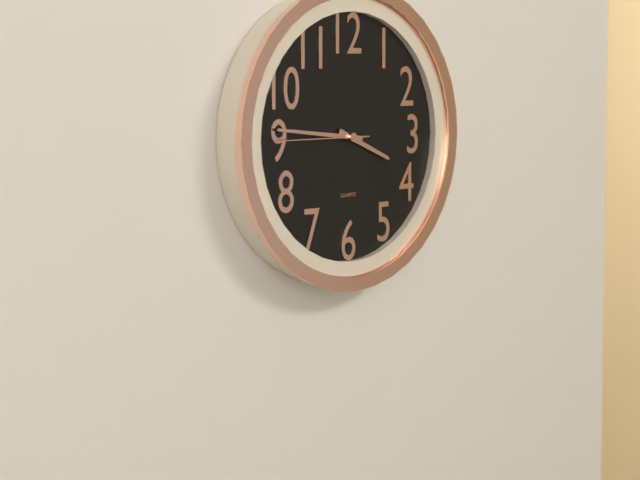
3 h 46 min 45 s
